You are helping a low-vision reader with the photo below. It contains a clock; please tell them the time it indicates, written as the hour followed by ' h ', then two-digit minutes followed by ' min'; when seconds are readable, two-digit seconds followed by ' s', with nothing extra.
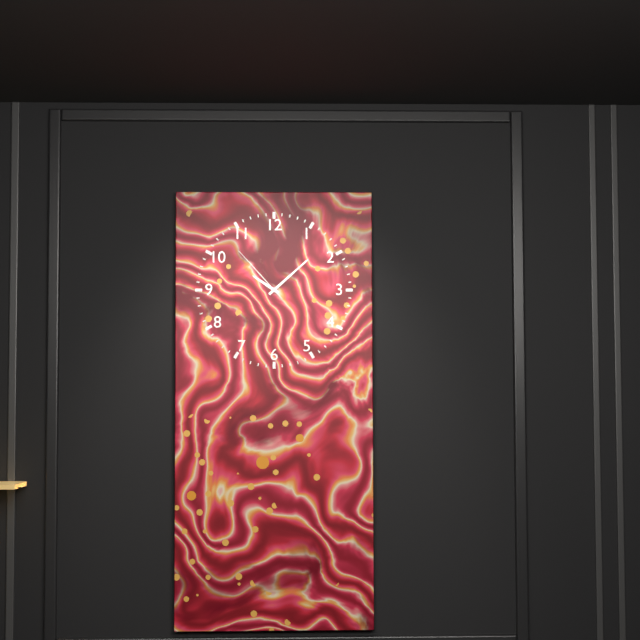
10 h 08 min 53 s
